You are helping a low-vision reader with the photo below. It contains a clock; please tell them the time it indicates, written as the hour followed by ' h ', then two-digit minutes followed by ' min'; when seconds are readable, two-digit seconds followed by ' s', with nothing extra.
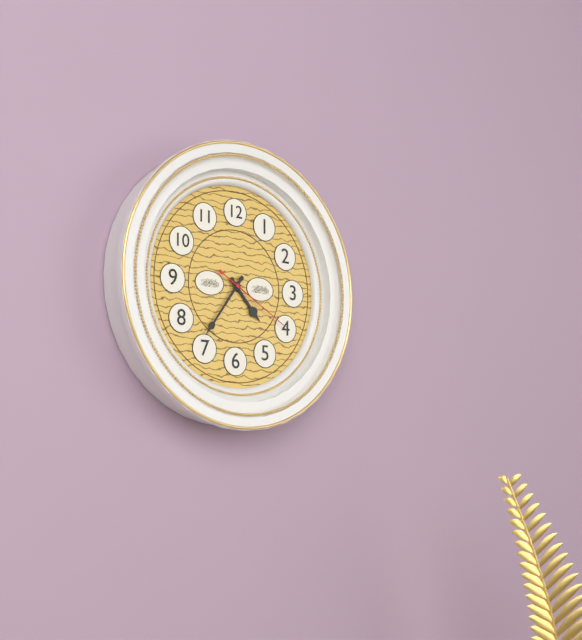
4 h 36 min 20 s
